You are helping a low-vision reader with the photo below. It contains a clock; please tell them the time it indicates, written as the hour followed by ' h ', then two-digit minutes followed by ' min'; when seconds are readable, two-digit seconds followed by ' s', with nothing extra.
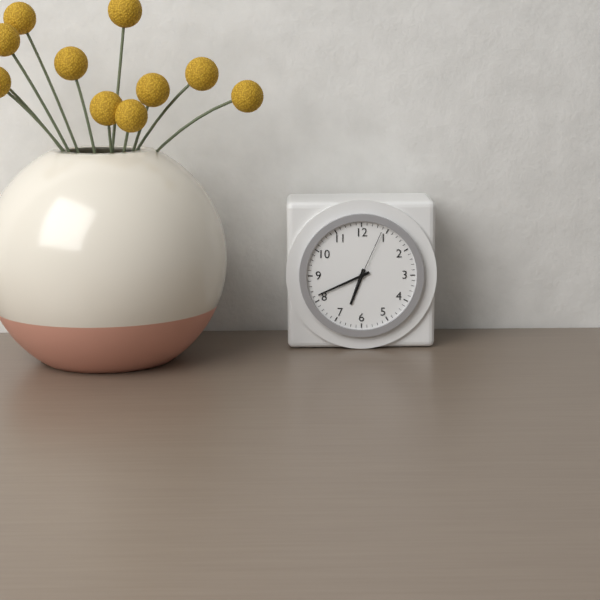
6 h 41 min 04 s
